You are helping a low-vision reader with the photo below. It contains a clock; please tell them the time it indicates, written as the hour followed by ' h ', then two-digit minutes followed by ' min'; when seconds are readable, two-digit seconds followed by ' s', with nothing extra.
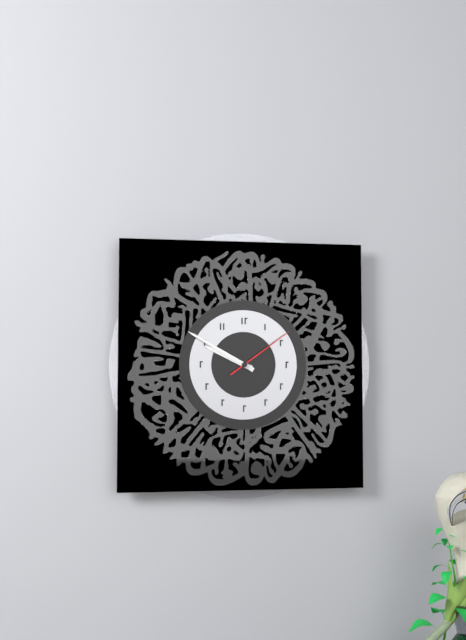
9 h 50 min 09 s
